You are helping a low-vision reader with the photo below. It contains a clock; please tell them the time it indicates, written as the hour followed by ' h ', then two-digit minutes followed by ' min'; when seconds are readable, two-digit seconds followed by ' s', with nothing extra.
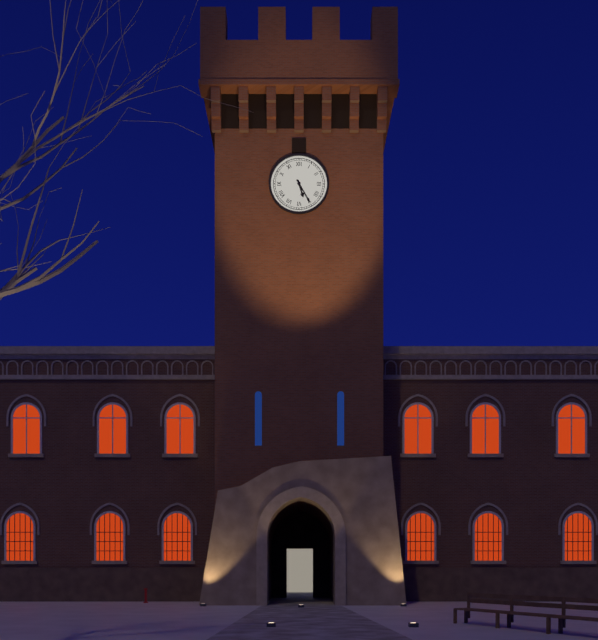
5 h 25 min
